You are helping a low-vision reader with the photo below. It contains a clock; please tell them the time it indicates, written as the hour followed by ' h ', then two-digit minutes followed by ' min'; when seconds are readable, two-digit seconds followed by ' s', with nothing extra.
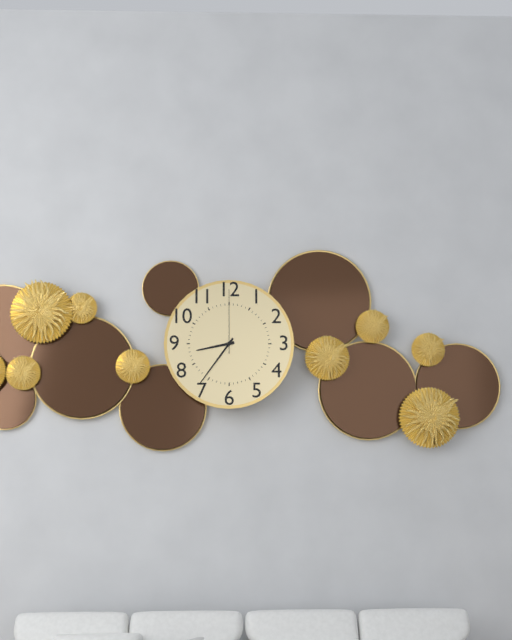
8 h 36 min 00 s
